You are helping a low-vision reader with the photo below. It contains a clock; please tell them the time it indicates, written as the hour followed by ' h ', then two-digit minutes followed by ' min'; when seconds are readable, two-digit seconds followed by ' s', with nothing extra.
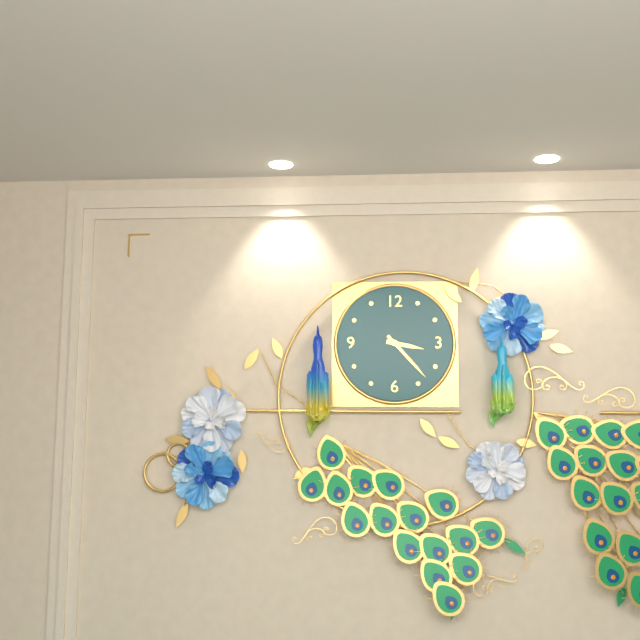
3 h 23 min
